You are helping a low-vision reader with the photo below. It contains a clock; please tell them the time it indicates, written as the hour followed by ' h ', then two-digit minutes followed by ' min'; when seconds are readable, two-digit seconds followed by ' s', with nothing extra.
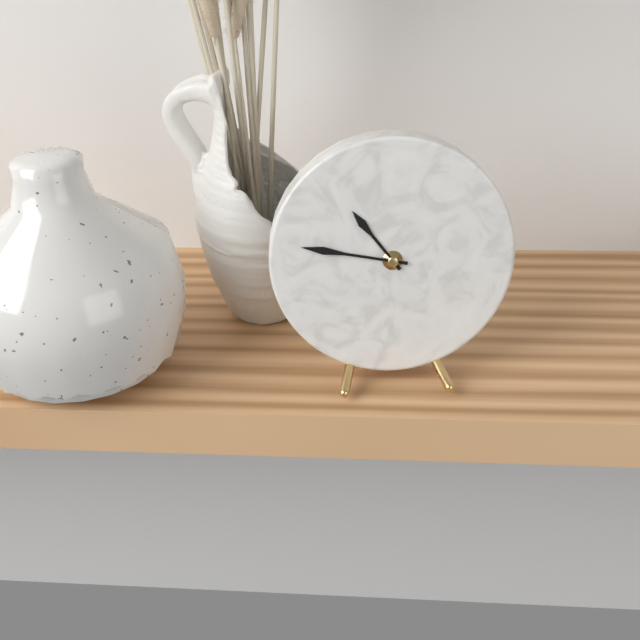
10 h 47 min
